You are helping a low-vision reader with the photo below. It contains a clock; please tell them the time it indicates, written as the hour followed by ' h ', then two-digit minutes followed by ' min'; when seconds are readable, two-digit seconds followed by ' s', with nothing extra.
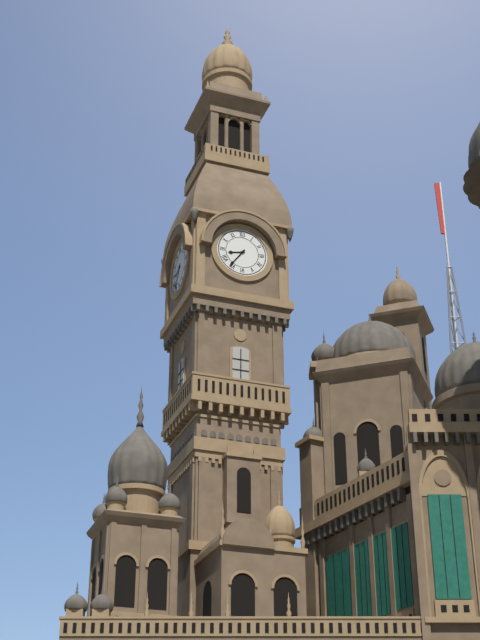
8 h 36 min
